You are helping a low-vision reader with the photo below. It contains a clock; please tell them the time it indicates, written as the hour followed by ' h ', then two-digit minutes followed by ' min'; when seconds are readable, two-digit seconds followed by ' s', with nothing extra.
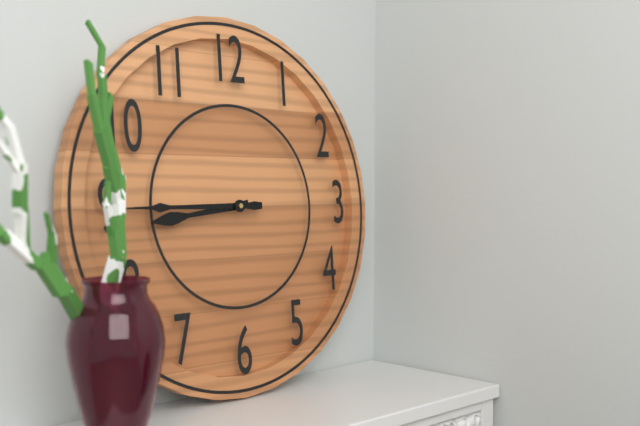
8 h 45 min
